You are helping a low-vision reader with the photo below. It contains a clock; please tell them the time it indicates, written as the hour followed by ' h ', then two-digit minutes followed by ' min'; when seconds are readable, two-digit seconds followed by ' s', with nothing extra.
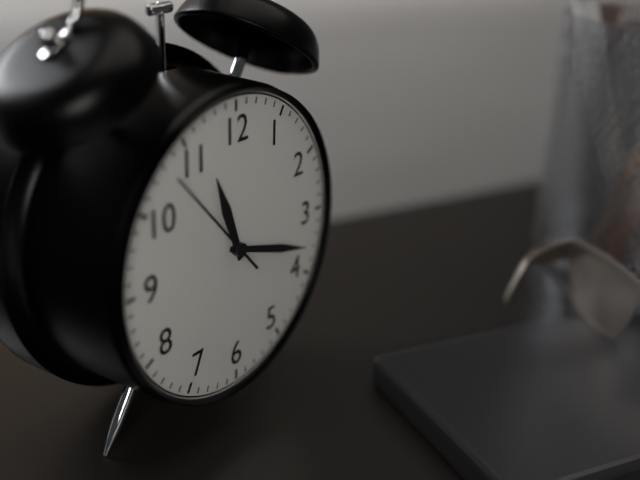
11 h 18 min 53 s
